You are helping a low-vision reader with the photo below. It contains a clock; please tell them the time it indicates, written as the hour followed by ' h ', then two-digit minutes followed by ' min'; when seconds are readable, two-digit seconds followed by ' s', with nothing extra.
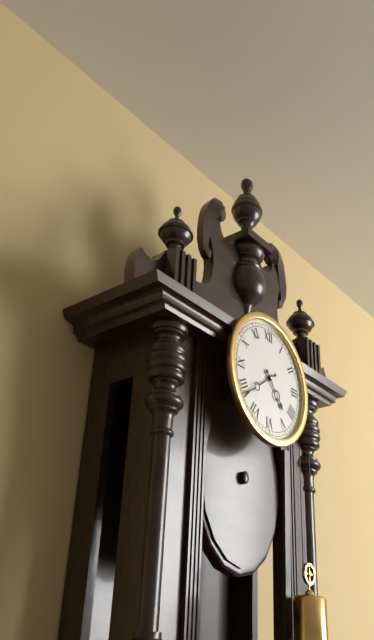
4 h 39 min
